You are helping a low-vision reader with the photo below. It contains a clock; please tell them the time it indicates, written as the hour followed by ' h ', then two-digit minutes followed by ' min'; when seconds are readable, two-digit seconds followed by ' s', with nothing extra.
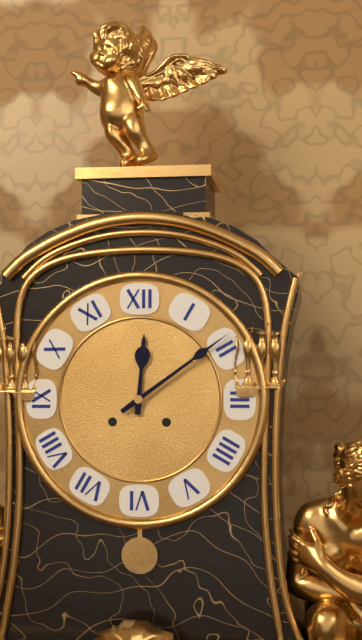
12 h 09 min
